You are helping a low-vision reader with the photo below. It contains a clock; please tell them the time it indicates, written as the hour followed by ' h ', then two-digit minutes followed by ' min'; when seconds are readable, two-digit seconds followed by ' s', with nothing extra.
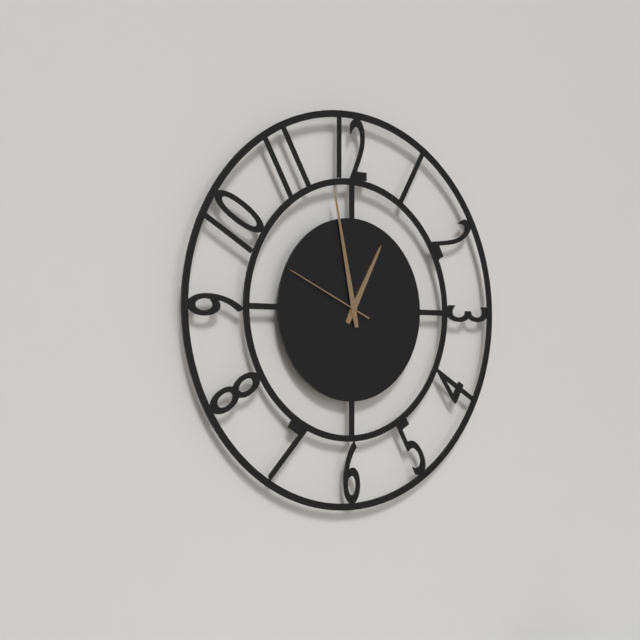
12 h 58 min 49 s
